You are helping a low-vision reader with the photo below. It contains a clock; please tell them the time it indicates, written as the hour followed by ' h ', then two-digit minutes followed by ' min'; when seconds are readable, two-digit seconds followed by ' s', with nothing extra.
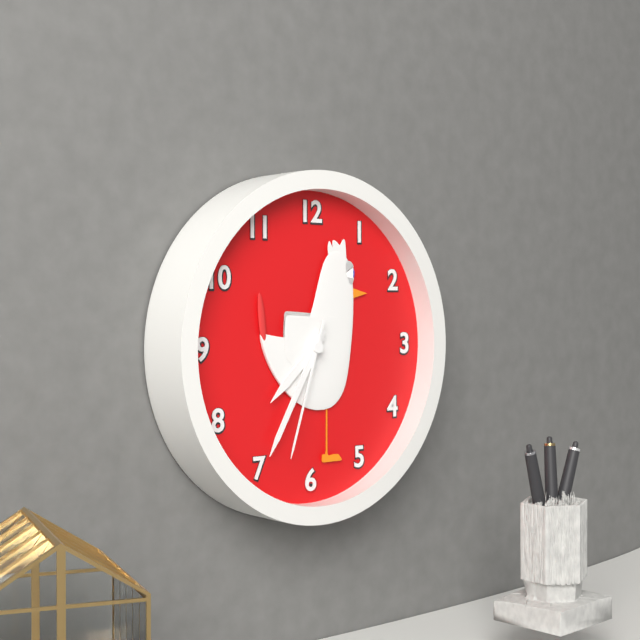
7 h 35 min 33 s
